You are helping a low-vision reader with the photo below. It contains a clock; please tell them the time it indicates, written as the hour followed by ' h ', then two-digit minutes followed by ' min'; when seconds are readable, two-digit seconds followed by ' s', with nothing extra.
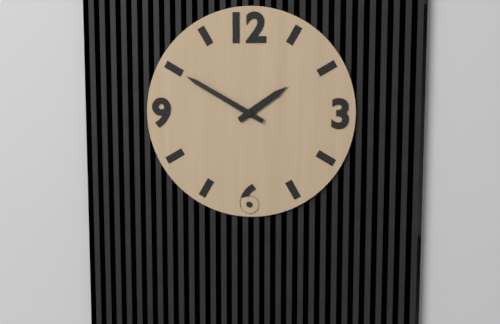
1 h 50 min
